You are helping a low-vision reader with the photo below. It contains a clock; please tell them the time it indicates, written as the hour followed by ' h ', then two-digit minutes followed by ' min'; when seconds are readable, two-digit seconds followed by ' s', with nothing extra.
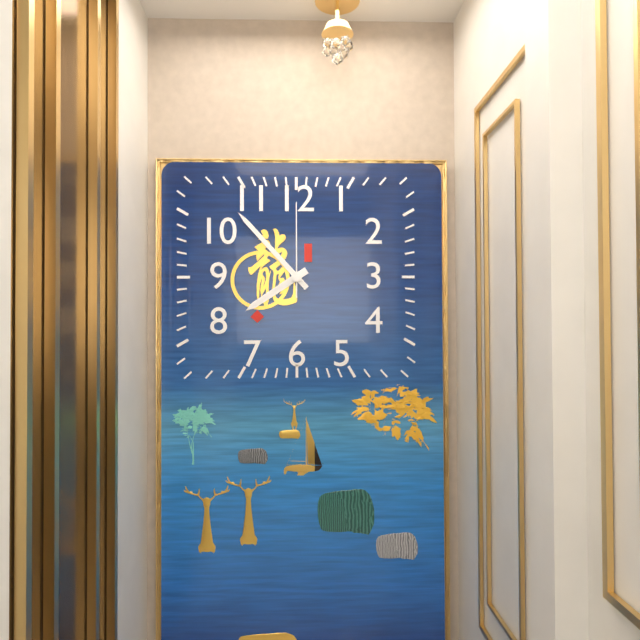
7 h 53 min 00 s
